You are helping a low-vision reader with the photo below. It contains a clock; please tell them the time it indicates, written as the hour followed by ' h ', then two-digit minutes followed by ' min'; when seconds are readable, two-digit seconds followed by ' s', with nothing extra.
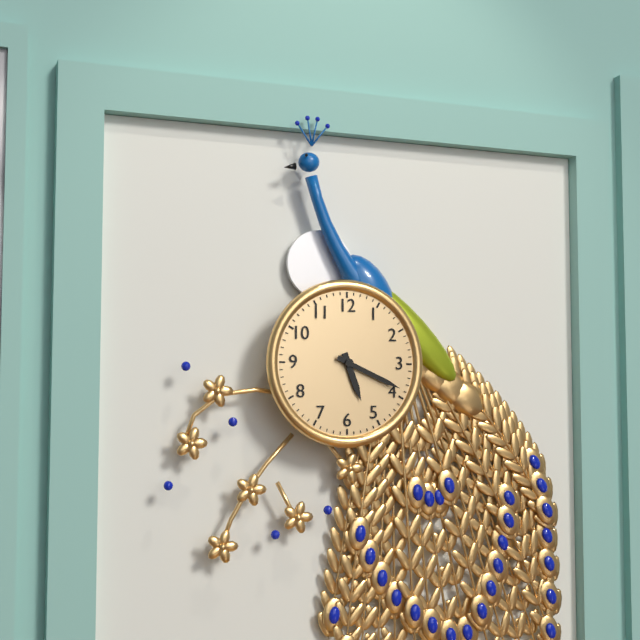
5 h 19 min
